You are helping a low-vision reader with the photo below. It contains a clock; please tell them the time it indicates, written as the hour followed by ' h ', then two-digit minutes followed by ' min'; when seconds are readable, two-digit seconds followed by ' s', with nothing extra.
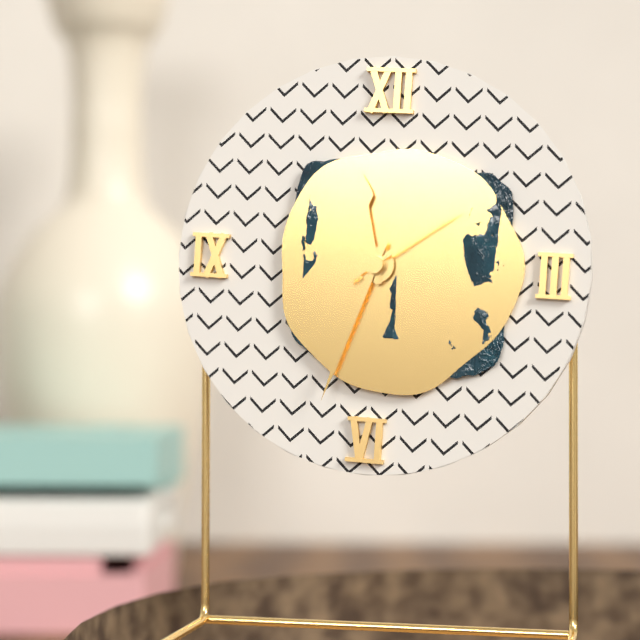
11 h 33 min 09 s
